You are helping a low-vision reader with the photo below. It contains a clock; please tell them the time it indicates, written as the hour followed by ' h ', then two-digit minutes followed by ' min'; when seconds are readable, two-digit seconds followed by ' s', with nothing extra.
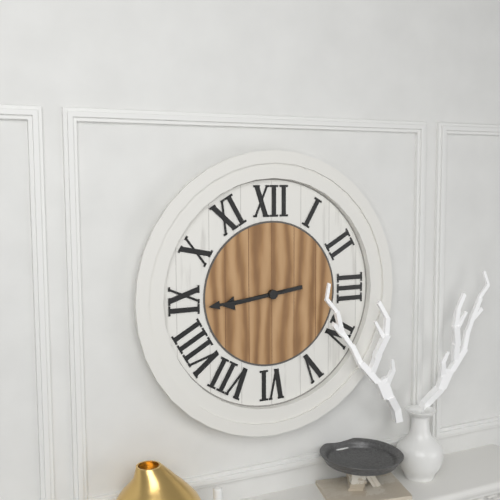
8 h 44 min
